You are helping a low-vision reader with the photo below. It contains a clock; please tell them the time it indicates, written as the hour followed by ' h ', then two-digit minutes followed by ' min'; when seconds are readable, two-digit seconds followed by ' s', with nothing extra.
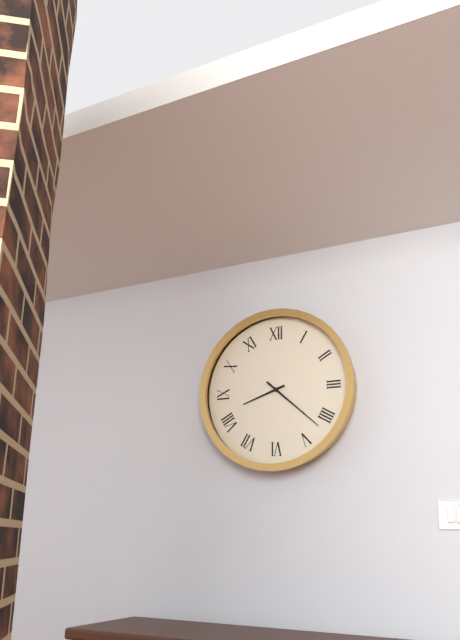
8 h 22 min
